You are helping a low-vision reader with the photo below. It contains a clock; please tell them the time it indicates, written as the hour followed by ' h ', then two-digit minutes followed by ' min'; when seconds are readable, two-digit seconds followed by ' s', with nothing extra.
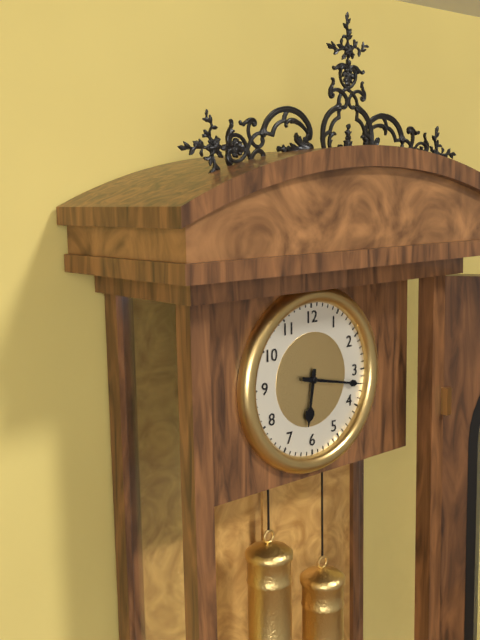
6 h 17 min
